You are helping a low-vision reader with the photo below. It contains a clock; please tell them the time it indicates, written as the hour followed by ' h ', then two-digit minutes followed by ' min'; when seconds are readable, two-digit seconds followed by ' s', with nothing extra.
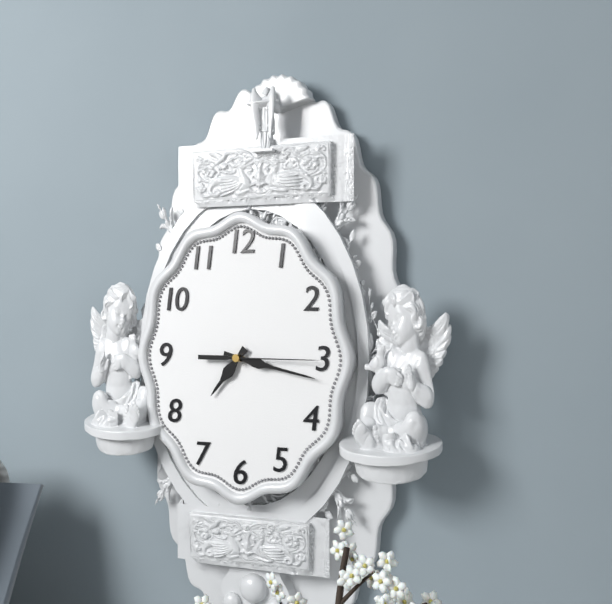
7 h 17 min 15 s
